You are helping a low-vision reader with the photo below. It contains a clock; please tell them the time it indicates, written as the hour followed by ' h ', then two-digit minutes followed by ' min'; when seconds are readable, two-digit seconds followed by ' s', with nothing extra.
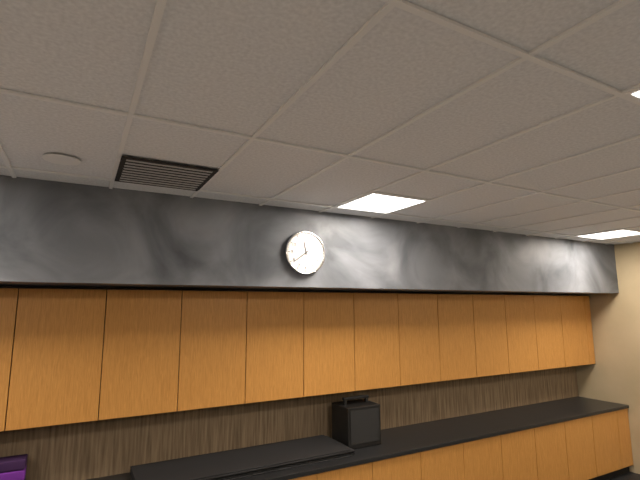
11 h 39 min
